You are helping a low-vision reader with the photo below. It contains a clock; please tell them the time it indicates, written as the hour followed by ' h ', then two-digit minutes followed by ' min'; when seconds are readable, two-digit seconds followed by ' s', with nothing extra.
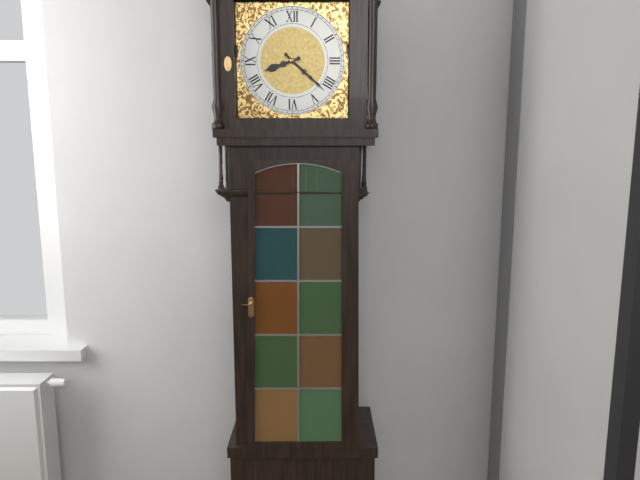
8 h 22 min
